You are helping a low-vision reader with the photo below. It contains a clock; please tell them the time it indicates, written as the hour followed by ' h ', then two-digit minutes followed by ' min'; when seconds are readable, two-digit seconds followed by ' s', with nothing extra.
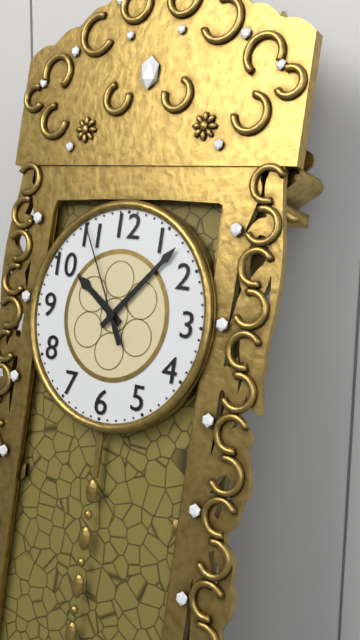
10 h 07 min 55 s
